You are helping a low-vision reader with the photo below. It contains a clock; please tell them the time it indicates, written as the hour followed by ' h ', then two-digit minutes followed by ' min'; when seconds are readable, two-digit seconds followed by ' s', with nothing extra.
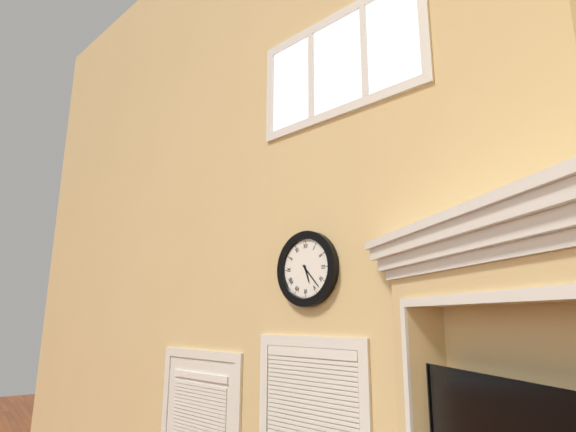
5 h 23 min
